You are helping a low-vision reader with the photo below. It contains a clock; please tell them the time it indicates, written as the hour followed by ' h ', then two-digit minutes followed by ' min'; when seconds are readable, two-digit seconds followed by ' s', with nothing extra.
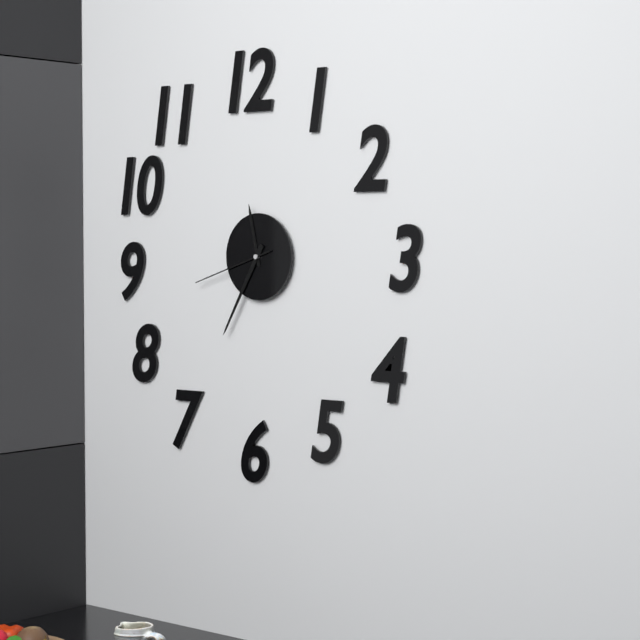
11 h 35 min 42 s
